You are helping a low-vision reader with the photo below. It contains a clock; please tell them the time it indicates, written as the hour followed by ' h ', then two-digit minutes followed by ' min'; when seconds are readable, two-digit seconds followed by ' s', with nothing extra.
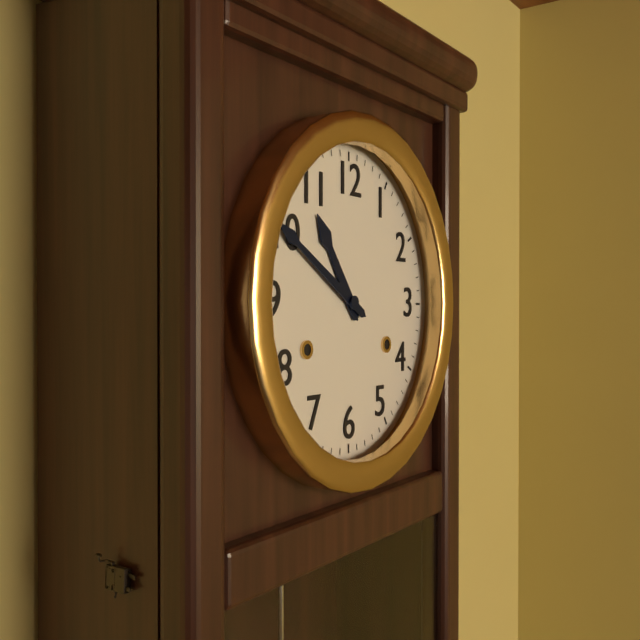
10 h 50 min
